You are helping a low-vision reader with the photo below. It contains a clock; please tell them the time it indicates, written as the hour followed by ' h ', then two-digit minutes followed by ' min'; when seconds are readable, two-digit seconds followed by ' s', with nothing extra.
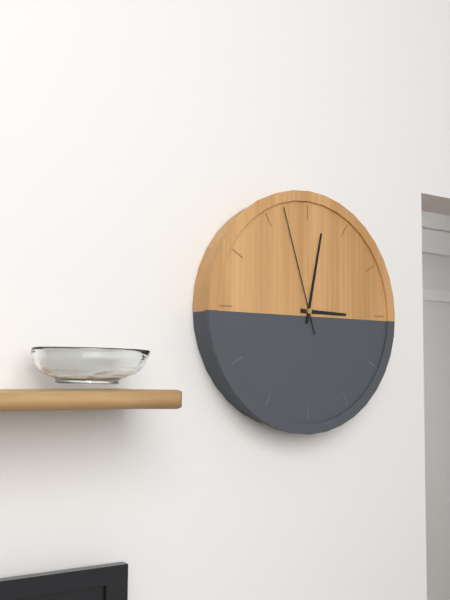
3 h 02 min 57 s
